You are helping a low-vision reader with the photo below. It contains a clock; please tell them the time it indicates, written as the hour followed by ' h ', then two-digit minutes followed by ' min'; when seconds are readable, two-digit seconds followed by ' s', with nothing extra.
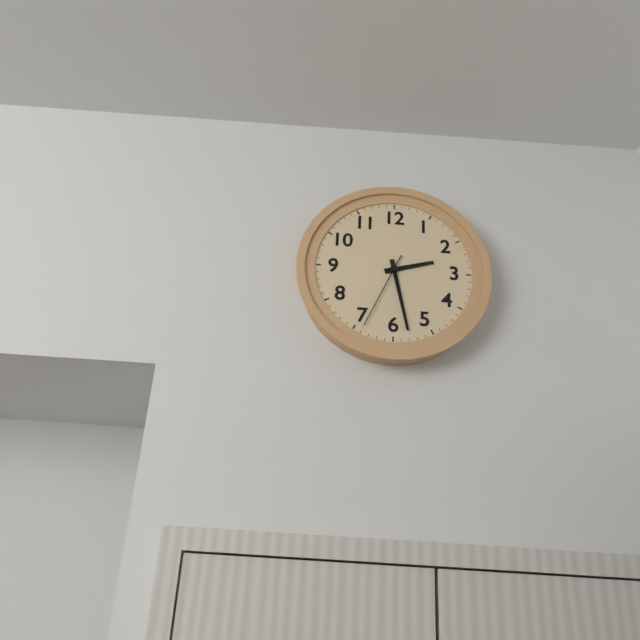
2 h 28 min 34 s
